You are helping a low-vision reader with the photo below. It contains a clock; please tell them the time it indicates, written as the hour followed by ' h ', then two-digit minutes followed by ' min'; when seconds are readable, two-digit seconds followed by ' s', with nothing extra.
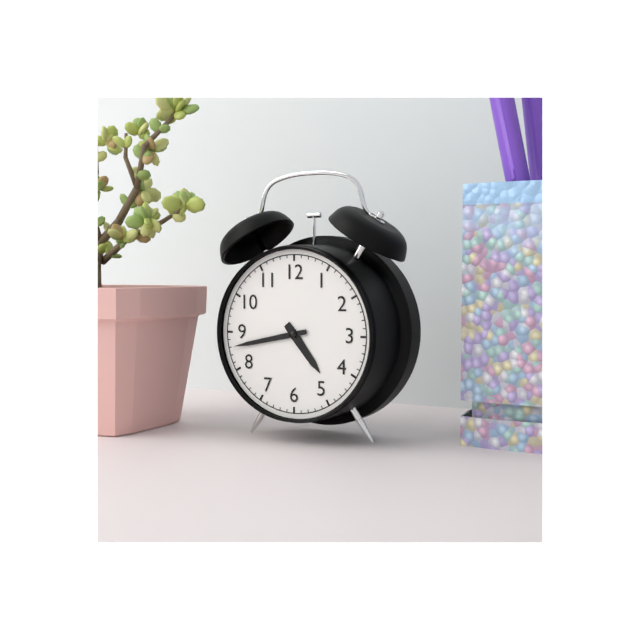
4 h 43 min
